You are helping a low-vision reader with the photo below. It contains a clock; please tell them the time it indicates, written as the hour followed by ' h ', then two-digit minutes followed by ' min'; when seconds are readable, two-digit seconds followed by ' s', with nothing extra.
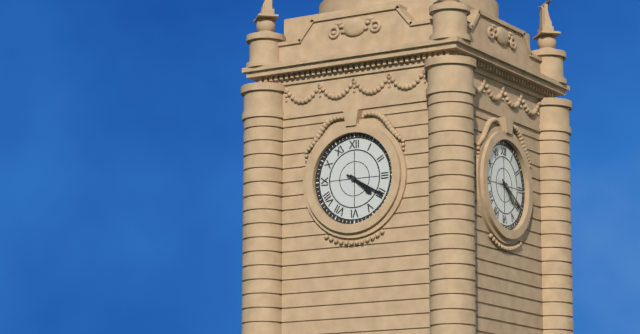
4 h 20 min
